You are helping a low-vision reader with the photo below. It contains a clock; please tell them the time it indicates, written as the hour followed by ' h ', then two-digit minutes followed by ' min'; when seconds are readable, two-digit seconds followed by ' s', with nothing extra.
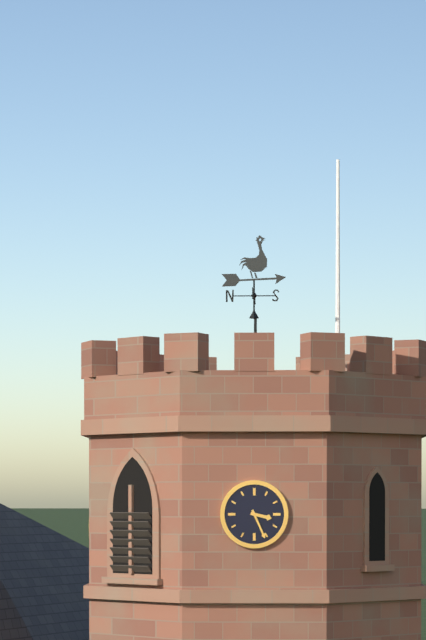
3 h 26 min
